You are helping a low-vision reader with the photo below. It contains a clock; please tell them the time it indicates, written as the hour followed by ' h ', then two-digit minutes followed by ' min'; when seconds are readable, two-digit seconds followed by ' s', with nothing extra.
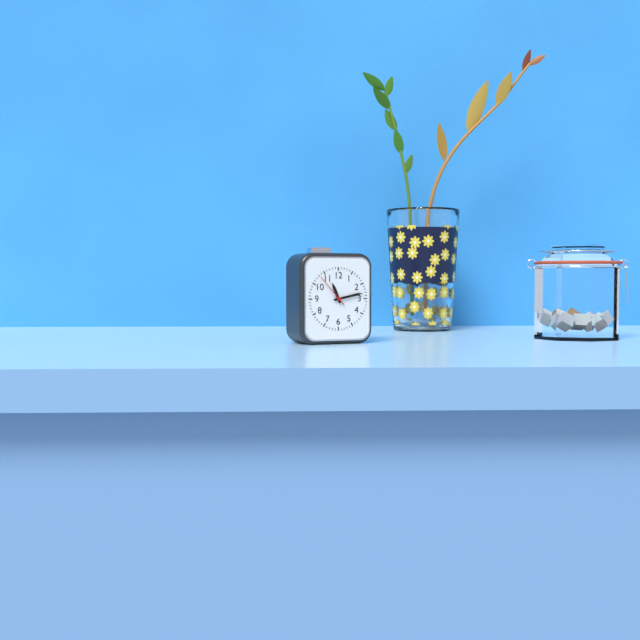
11 h 13 min
